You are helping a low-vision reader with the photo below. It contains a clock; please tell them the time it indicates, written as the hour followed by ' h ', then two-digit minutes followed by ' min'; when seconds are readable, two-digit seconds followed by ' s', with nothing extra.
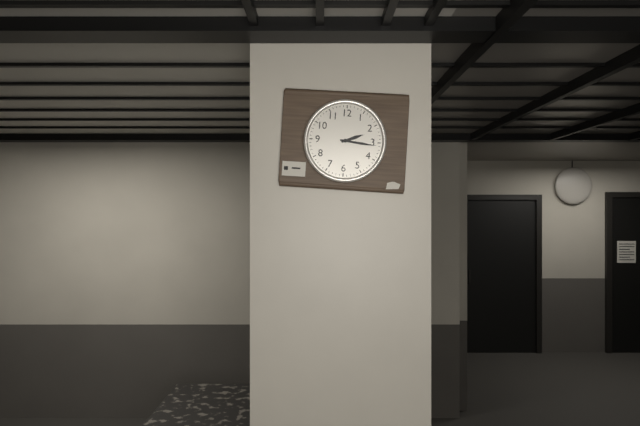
2 h 16 min
